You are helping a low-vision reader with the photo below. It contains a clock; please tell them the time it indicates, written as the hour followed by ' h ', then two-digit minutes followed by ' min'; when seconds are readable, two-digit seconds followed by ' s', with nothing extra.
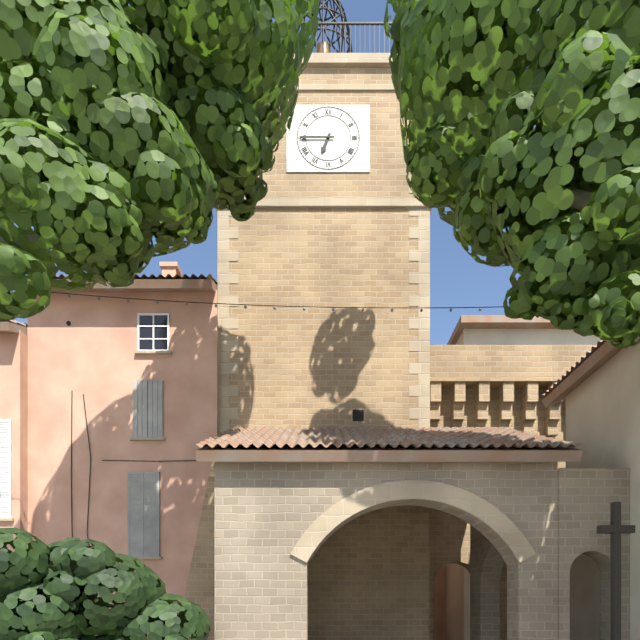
6 h 45 min
